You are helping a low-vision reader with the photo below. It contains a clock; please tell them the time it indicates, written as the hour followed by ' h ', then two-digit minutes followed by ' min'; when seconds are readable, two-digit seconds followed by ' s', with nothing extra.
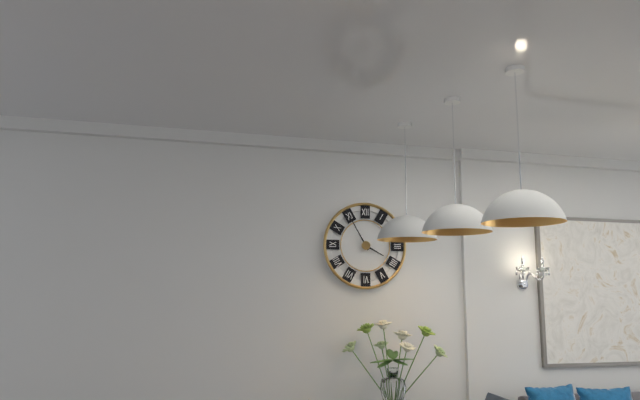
3 h 55 min
